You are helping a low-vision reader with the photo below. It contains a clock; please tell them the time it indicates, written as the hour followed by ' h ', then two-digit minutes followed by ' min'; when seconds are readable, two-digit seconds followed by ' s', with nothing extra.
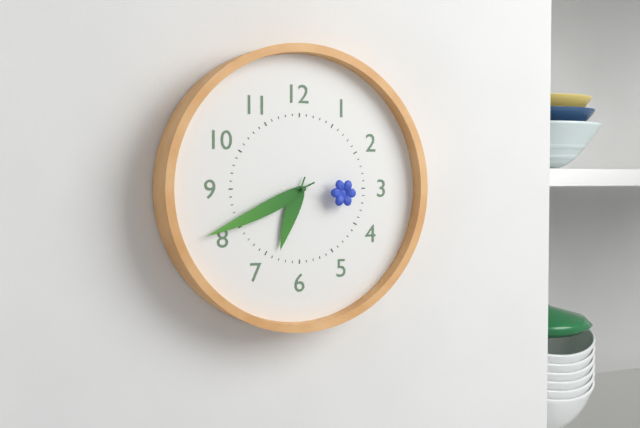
6 h 41 min 16 s
